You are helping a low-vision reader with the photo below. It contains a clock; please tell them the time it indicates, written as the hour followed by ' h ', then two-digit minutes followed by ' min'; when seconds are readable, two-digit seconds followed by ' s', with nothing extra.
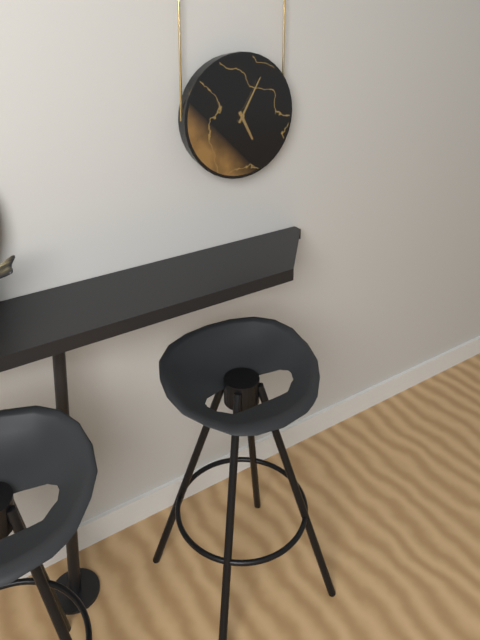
5 h 05 min
